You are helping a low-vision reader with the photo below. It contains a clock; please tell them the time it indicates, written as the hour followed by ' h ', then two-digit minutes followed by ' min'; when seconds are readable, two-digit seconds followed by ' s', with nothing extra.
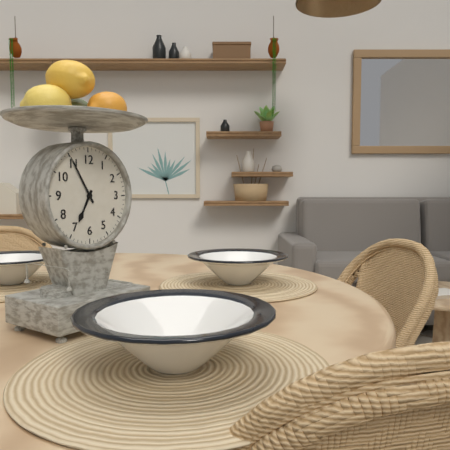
6 h 55 min
